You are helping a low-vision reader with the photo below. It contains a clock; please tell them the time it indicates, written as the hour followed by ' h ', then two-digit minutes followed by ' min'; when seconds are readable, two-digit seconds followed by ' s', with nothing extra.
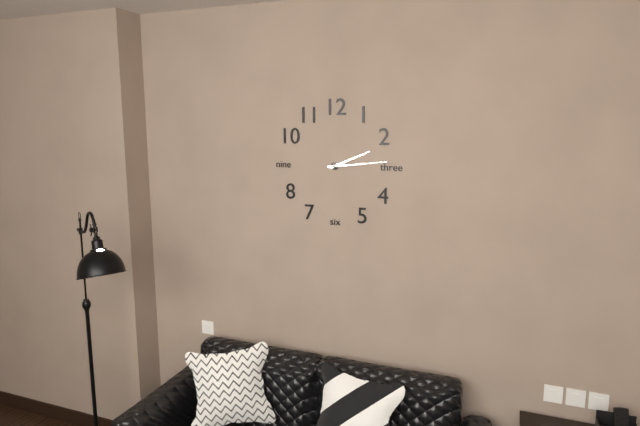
2 h 14 min
